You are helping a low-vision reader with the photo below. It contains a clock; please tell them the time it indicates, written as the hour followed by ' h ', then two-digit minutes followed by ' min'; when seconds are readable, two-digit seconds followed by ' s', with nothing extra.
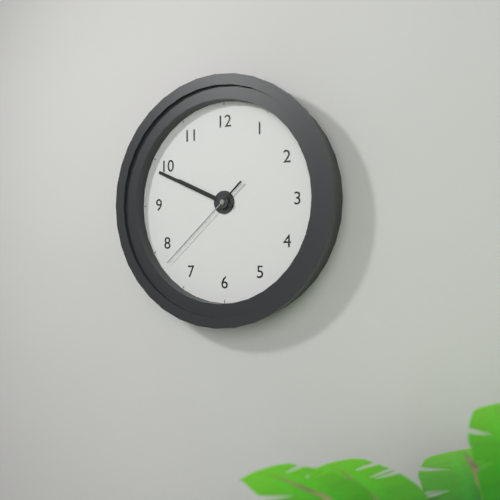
9 h 49 min 38 s
